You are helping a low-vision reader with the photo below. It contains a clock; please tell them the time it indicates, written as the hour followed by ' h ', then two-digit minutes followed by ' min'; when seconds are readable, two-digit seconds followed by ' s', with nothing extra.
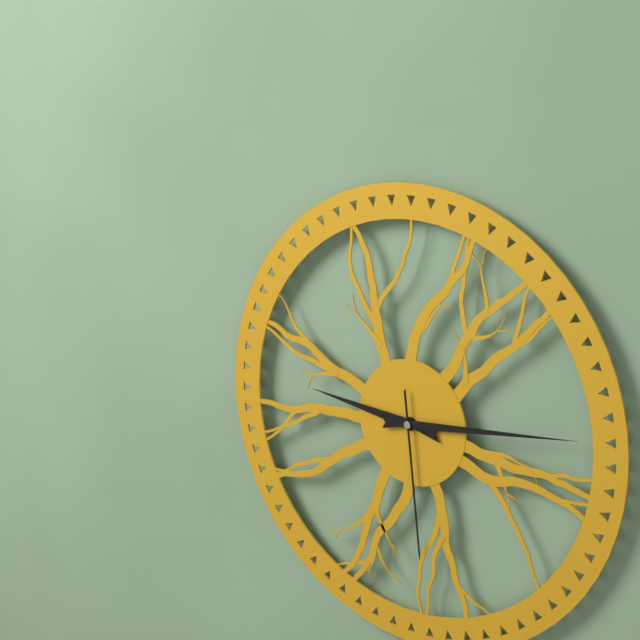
9 h 14 min 29 s
